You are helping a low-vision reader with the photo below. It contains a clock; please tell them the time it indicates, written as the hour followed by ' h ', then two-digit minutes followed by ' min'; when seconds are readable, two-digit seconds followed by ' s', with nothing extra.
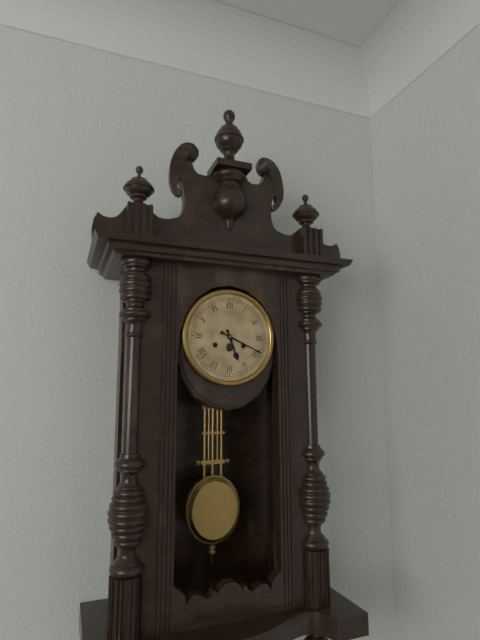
5 h 19 min
